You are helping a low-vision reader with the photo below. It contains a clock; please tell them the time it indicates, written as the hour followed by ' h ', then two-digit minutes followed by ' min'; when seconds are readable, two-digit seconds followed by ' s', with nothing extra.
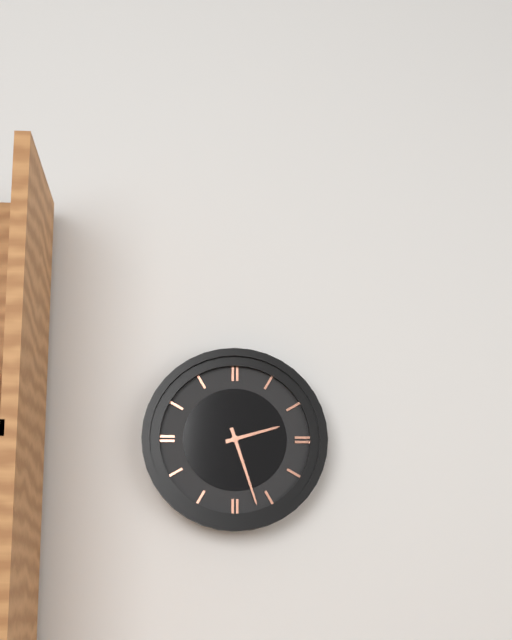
2 h 27 min
